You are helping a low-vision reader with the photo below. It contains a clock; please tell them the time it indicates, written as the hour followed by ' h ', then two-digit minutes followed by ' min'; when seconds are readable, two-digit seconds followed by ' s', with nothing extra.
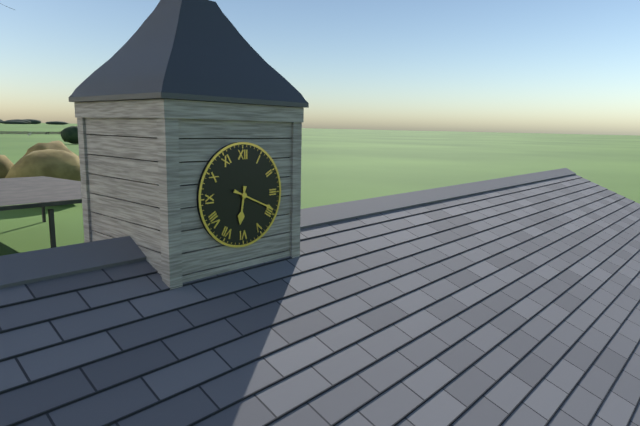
6 h 19 min
